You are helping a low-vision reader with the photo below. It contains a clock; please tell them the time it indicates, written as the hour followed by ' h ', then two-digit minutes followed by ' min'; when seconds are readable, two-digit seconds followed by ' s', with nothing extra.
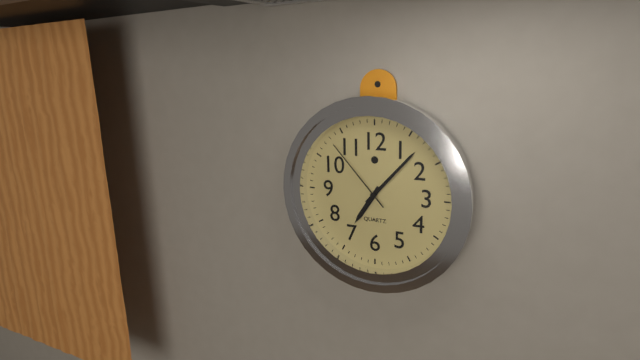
7 h 07 min 53 s
